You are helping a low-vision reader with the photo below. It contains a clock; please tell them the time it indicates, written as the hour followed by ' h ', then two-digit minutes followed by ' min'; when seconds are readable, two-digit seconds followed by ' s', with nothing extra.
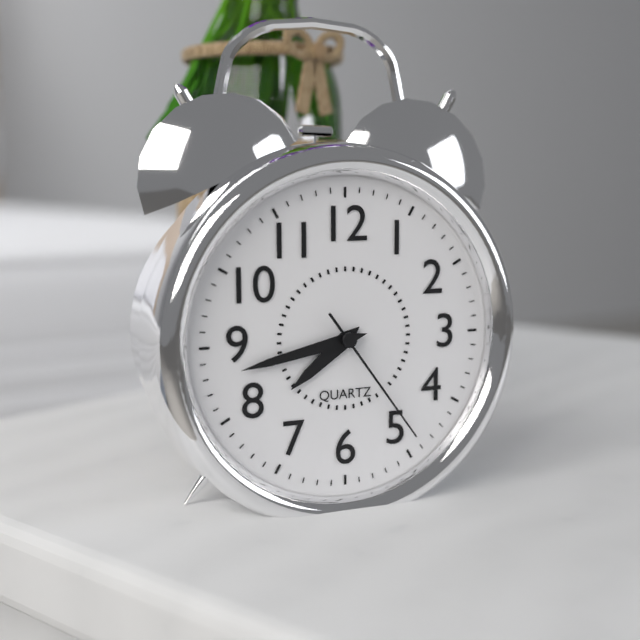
7 h 43 min 24 s
